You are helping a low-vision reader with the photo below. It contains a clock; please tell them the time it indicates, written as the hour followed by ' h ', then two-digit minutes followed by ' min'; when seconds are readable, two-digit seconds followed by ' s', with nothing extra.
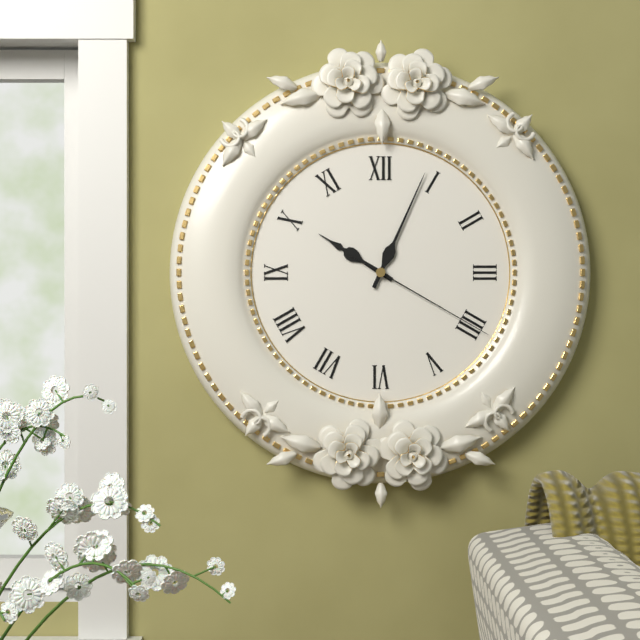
10 h 04 min 20 s
